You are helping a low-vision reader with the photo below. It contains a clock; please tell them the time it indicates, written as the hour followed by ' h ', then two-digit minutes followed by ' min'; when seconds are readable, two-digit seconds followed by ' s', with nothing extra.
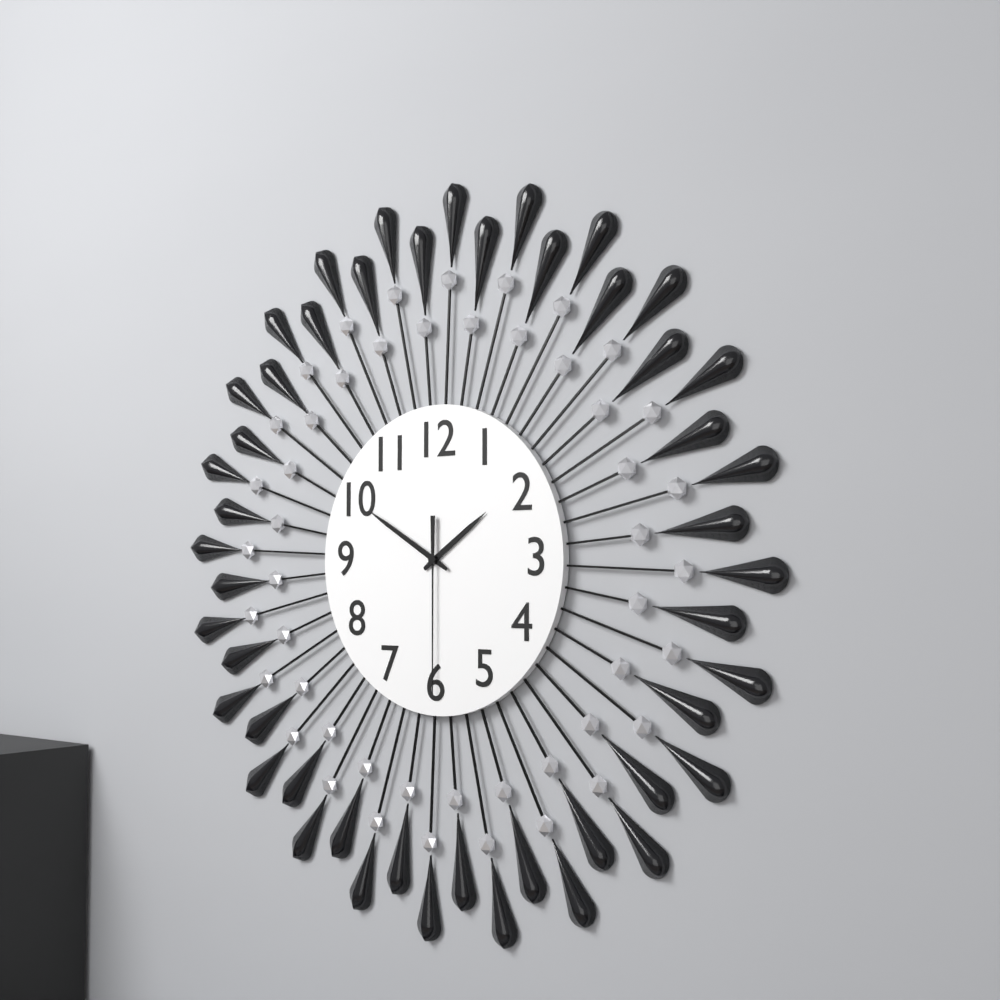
1 h 50 min 30 s
